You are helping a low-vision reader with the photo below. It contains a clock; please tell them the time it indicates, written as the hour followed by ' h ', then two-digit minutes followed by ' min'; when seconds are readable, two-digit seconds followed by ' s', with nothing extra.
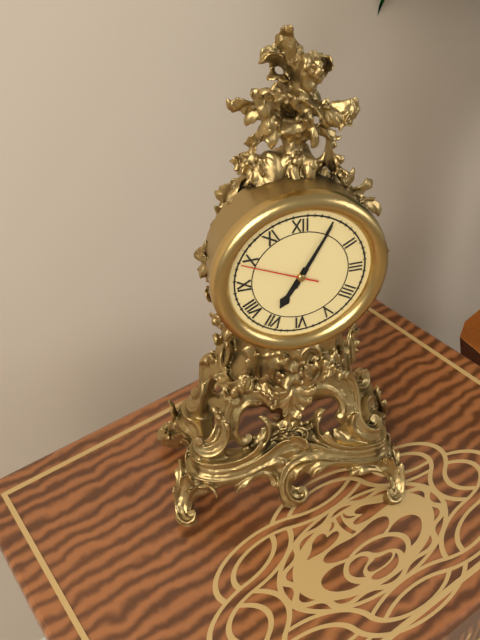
7 h 05 min 49 s
